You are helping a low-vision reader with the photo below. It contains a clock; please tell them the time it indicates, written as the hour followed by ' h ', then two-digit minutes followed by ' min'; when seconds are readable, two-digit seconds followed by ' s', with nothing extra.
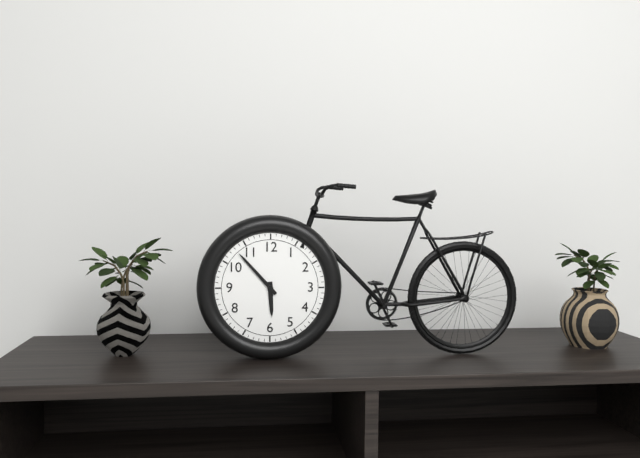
5 h 53 min
